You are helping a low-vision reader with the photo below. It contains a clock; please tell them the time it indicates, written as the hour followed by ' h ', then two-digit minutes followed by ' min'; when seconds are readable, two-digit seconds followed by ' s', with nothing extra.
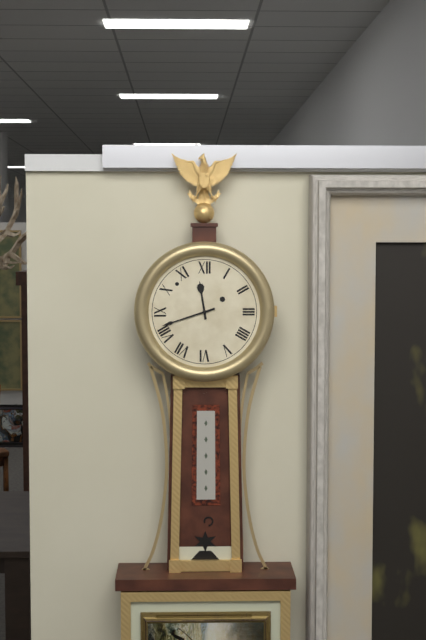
11 h 42 min
